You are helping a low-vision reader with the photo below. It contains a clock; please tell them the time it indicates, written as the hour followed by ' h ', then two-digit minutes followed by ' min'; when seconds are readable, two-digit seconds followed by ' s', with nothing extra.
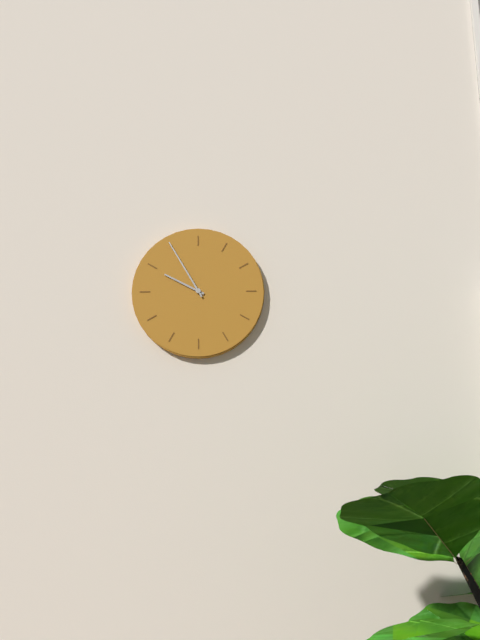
9 h 55 min
